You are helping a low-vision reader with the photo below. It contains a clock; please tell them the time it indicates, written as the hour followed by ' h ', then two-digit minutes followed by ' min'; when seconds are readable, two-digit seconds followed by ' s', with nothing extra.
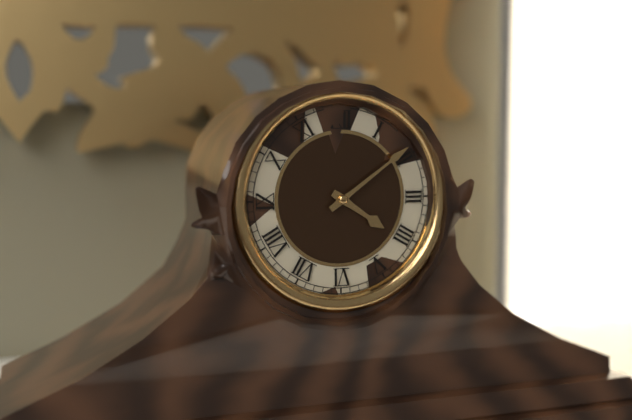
4 h 09 min
